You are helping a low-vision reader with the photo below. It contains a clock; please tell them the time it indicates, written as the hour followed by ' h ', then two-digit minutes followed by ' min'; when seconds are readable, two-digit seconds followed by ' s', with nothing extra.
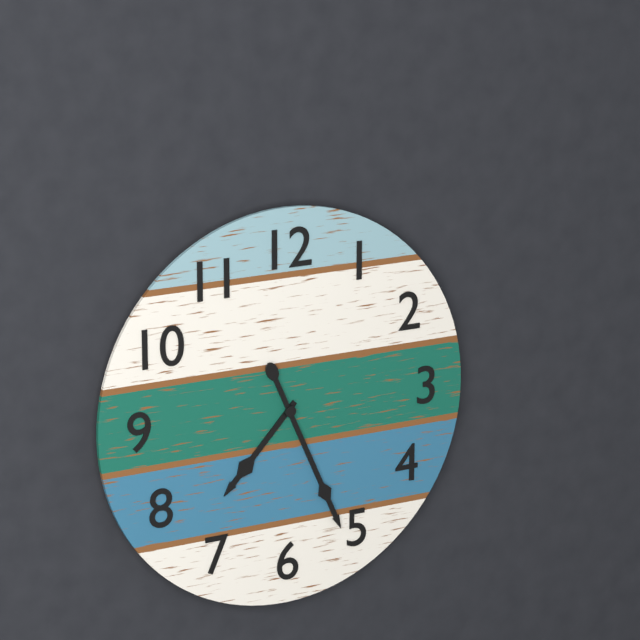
7 h 26 min
